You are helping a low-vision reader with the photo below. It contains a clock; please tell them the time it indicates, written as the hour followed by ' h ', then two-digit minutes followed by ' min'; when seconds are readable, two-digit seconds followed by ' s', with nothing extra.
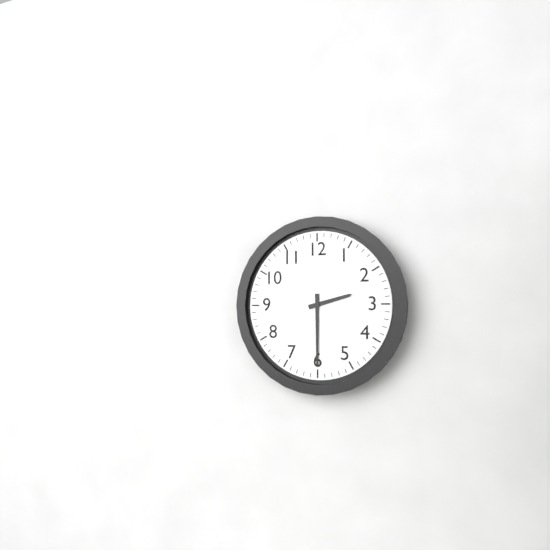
2 h 30 min
